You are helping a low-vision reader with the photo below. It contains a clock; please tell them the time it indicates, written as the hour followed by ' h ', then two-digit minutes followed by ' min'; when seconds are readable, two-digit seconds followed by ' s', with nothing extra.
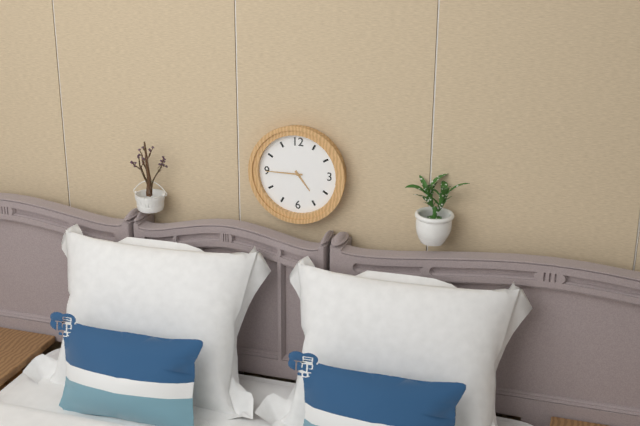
4 h 45 min
